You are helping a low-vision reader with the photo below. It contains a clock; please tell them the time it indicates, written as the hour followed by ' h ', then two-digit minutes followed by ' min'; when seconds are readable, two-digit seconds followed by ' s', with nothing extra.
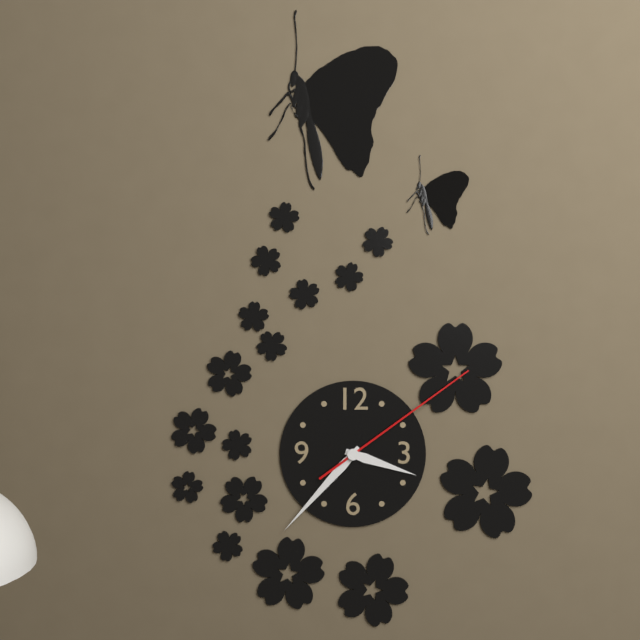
3 h 37 min 09 s
